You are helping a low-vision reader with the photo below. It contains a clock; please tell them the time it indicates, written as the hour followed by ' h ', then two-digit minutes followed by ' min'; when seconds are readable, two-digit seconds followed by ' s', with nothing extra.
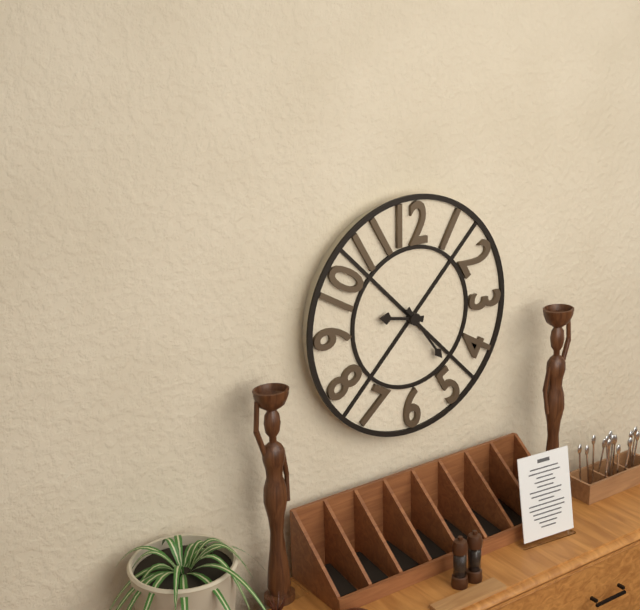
9 h 24 min
